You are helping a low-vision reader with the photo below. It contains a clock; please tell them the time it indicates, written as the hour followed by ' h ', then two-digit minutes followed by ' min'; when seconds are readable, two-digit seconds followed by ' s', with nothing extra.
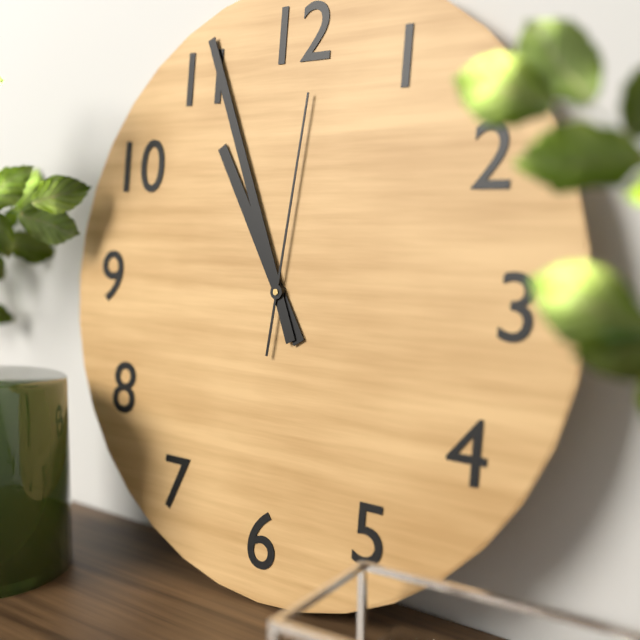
10 h 56 min 01 s
